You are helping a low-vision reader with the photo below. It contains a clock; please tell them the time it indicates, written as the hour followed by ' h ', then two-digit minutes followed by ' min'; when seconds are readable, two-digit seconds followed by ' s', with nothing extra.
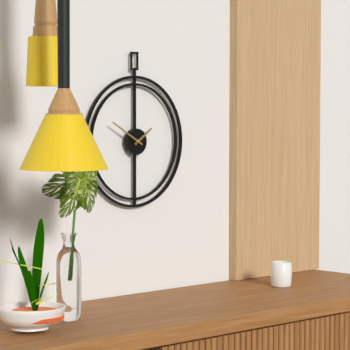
1 h 50 min
